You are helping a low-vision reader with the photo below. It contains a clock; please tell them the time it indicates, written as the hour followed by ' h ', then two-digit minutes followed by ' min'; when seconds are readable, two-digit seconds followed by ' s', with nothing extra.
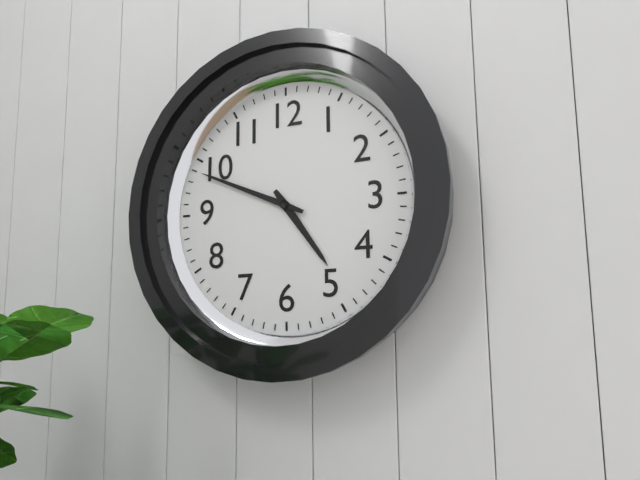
4 h 49 min
